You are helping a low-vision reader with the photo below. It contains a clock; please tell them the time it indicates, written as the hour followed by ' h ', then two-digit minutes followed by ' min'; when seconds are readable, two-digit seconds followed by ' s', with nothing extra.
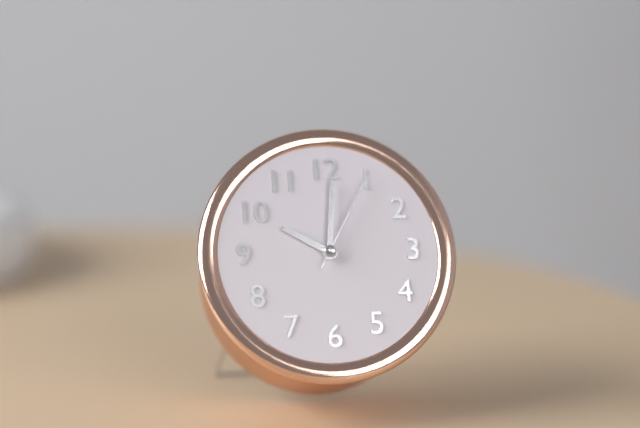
10 h 01 min 05 s
